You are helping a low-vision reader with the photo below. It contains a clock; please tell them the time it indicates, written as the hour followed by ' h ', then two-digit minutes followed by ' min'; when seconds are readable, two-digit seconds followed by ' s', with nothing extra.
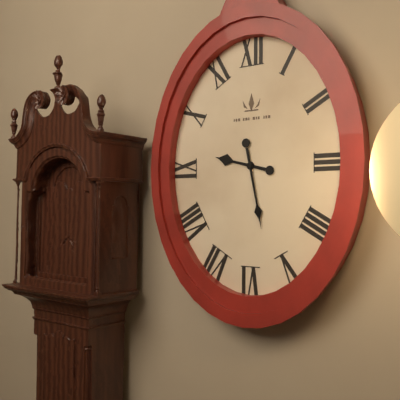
9 h 28 min
